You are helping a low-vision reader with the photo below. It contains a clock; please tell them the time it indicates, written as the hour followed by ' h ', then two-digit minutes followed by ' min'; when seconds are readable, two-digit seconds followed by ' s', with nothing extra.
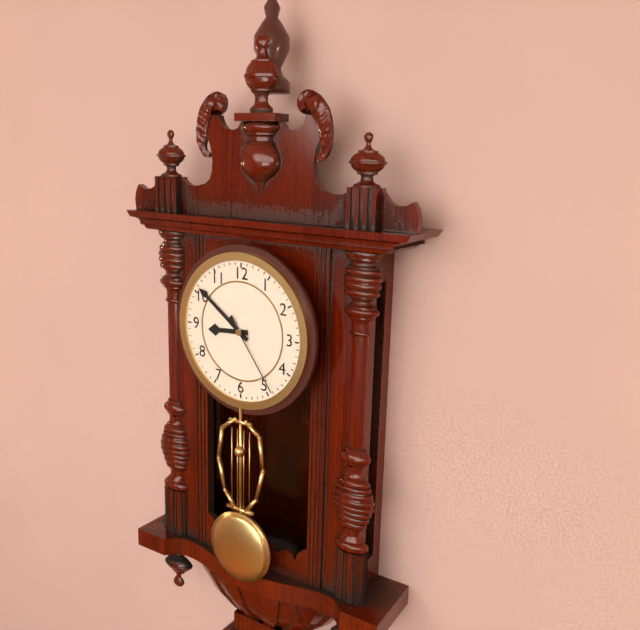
8 h 51 min 24 s
